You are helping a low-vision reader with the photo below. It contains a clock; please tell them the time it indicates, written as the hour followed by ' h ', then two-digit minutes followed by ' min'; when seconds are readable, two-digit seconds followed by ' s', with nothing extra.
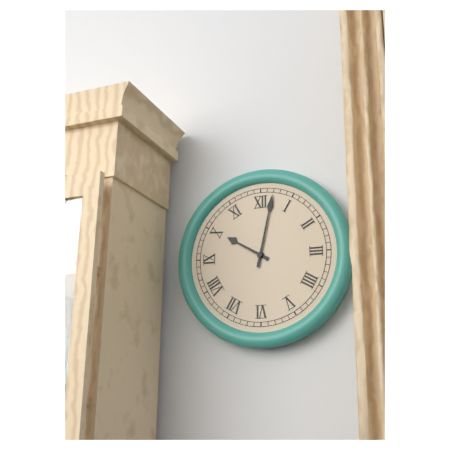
10 h 02 min
